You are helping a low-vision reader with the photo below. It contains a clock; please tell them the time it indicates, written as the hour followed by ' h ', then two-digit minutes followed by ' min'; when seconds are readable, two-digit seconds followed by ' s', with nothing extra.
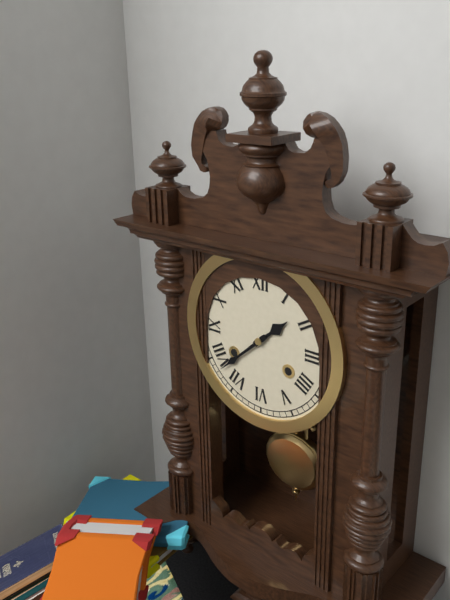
1 h 38 min
